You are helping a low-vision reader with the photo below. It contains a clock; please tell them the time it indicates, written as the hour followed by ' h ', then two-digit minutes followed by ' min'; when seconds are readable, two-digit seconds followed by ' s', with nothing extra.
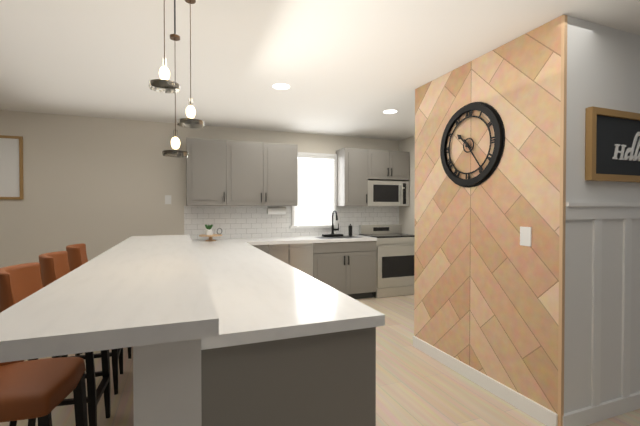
10 h 24 min
